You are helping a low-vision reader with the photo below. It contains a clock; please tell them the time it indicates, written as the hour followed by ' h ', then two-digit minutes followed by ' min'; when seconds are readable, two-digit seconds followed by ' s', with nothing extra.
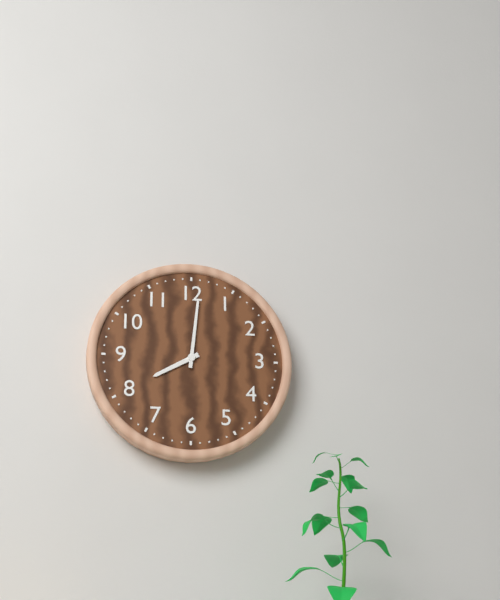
8 h 01 min
